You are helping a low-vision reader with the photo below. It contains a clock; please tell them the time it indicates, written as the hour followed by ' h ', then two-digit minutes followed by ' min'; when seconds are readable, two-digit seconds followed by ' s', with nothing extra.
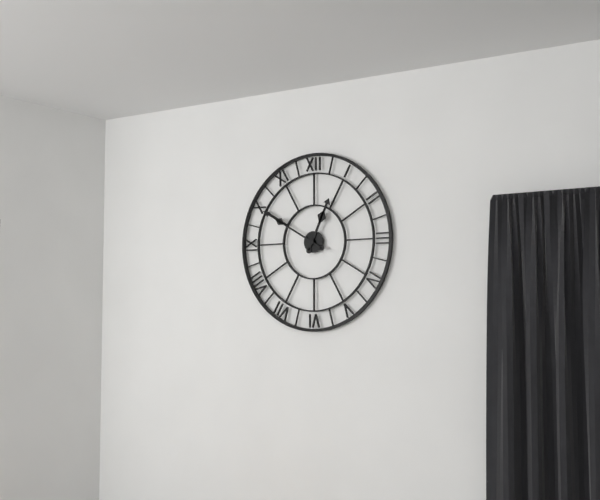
12 h 50 min
